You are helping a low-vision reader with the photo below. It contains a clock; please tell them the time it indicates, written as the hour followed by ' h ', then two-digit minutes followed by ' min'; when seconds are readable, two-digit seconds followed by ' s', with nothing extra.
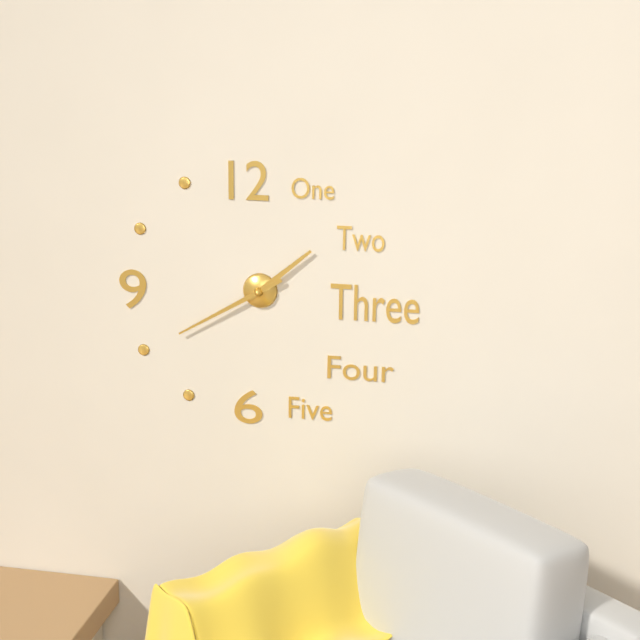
1 h 40 min
